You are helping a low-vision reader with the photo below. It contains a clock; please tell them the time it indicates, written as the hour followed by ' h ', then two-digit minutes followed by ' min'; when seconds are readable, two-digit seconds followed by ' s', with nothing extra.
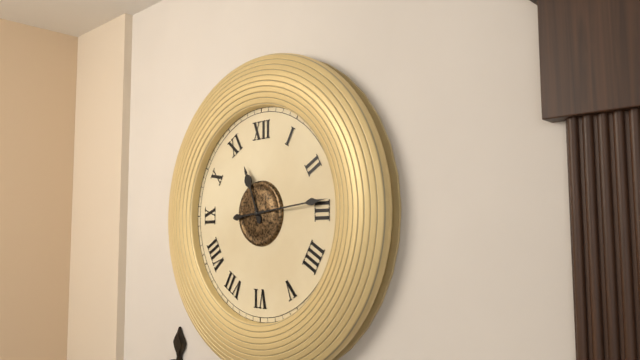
11 h 14 min
